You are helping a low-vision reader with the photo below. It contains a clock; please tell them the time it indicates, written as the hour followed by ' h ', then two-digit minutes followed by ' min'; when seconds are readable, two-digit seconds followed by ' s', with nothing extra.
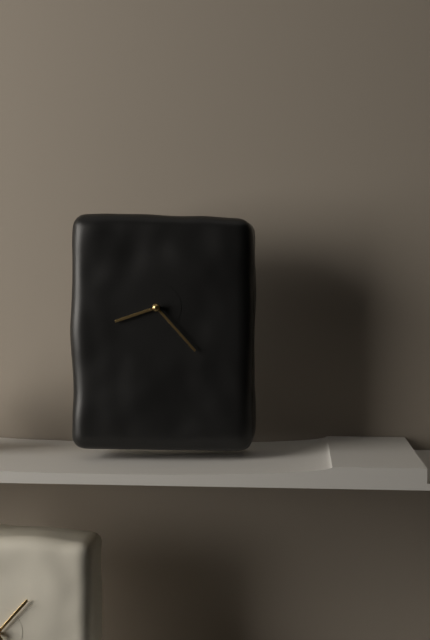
8 h 23 min
